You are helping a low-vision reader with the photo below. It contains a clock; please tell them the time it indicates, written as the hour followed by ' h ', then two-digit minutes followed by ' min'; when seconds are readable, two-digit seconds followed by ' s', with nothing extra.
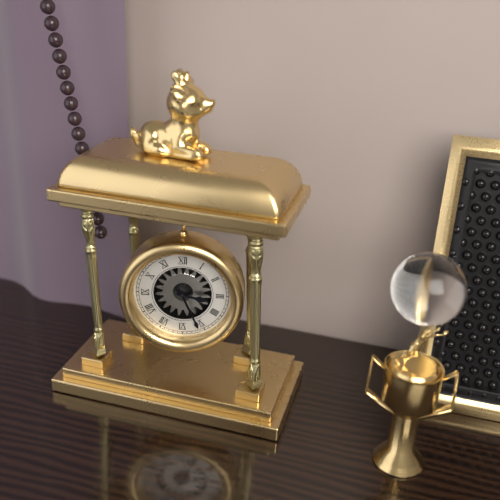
3 h 26 min
